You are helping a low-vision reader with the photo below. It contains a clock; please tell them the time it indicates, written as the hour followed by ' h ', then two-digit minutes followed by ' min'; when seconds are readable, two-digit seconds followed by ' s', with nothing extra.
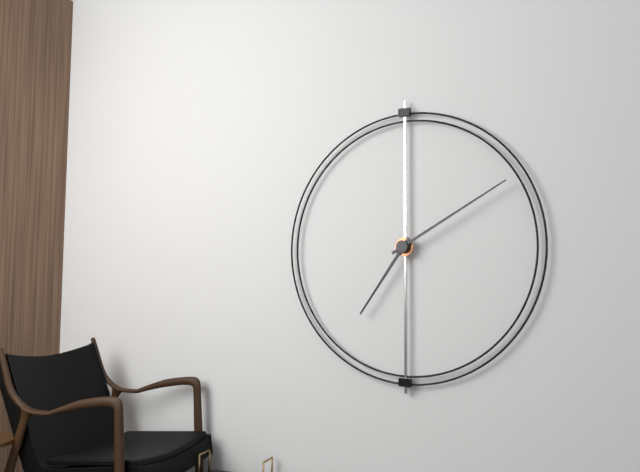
7 h 10 min
